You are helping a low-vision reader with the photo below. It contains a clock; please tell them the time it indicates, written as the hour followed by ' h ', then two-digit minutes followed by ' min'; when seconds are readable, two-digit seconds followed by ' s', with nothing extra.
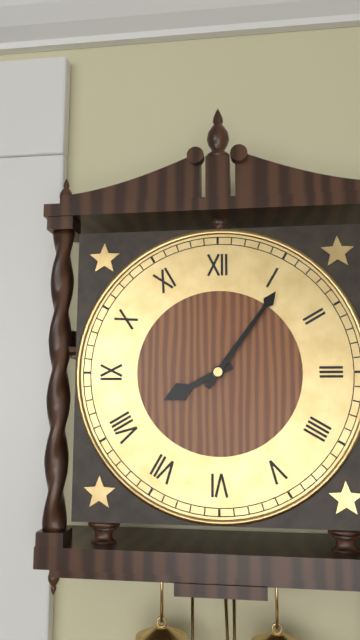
8 h 06 min
